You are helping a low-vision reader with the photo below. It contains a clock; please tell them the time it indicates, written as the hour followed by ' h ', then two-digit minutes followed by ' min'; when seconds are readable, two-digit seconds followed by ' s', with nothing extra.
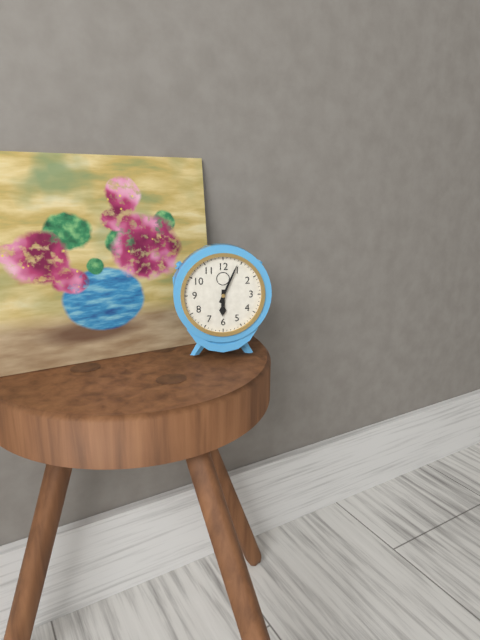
6 h 04 min
